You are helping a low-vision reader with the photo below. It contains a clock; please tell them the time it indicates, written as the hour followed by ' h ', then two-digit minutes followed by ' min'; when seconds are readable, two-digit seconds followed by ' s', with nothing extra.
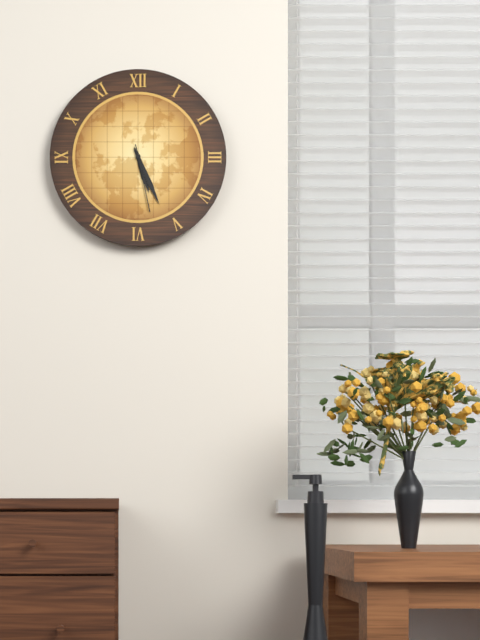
5 h 26 min 28 s
